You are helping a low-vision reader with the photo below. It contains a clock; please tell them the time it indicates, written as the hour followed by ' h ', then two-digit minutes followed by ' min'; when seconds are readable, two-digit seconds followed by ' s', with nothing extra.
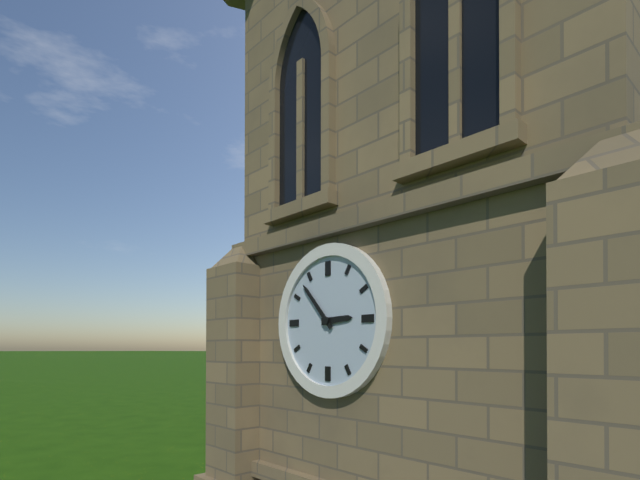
2 h 53 min
